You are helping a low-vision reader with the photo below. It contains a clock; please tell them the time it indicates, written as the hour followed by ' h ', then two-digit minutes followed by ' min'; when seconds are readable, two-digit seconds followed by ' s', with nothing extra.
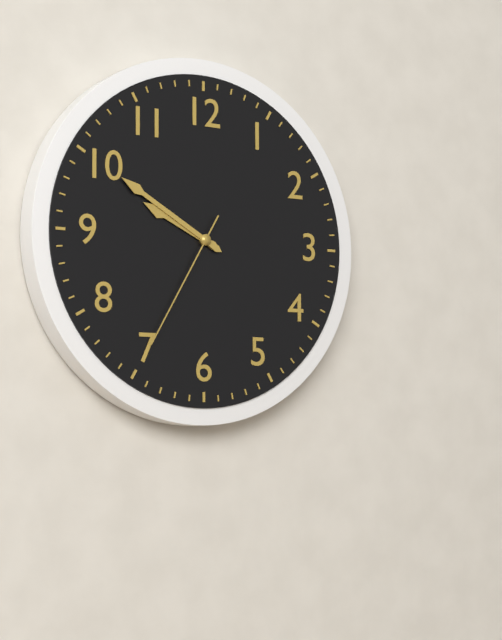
9 h 50 min 35 s
